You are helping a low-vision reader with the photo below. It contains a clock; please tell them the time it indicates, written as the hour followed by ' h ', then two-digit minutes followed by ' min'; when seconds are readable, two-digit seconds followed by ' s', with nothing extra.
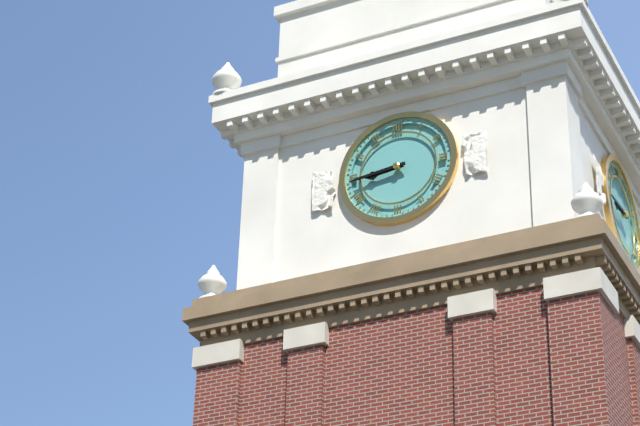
8 h 44 min
